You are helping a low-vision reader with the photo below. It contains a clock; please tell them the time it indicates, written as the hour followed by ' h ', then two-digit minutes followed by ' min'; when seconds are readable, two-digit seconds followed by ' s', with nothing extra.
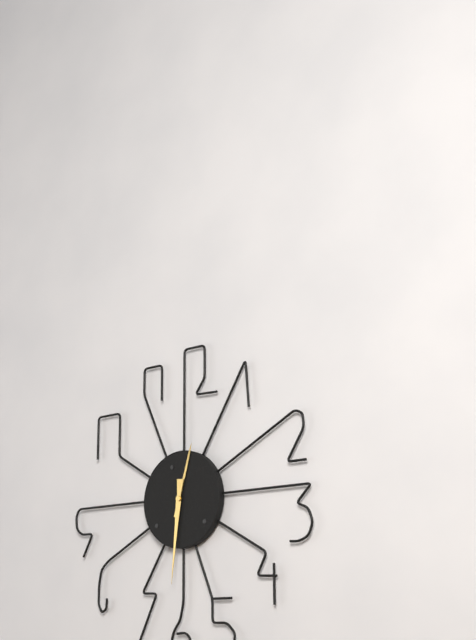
12 h 31 min
